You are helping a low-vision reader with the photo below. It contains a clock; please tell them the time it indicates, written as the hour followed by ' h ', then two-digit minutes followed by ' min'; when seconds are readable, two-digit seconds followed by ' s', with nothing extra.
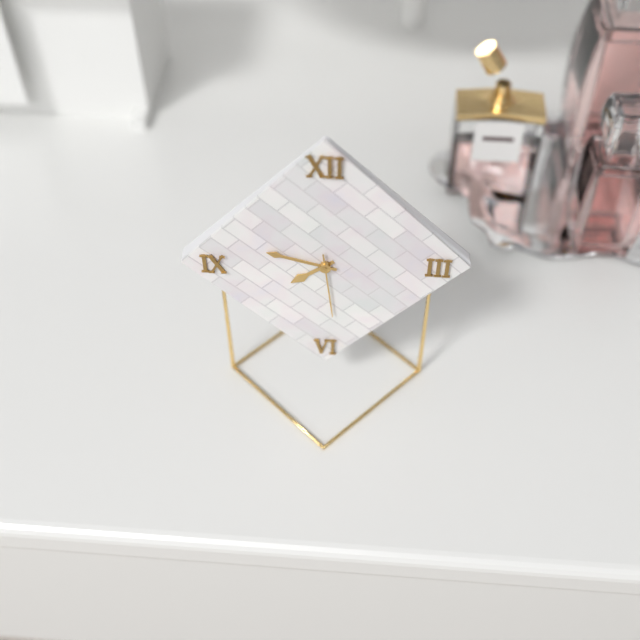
7 h 48 min 29 s
